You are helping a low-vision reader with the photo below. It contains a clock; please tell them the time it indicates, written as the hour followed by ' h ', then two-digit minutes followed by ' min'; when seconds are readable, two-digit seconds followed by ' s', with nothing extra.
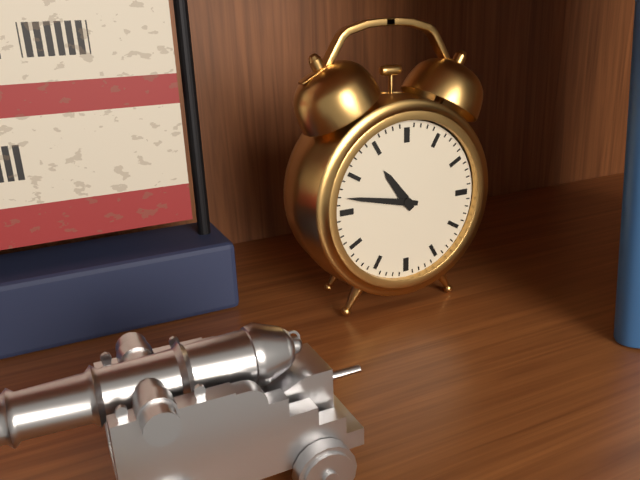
10 h 47 min
